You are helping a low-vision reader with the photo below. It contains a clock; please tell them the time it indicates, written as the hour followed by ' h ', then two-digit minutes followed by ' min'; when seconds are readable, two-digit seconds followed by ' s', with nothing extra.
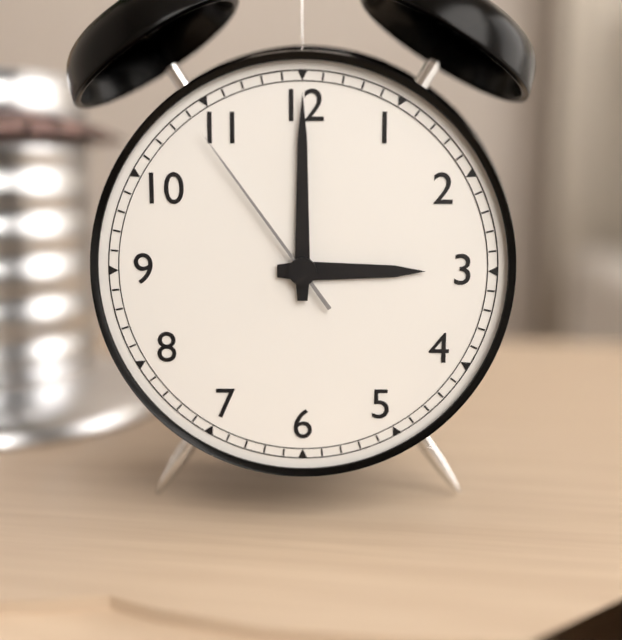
3 h 00 min 54 s
